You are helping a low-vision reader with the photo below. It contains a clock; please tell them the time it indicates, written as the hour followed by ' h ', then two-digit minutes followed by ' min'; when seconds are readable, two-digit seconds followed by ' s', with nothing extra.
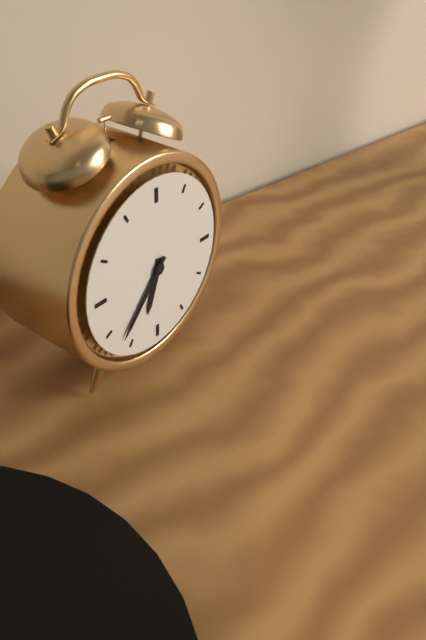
6 h 37 min
